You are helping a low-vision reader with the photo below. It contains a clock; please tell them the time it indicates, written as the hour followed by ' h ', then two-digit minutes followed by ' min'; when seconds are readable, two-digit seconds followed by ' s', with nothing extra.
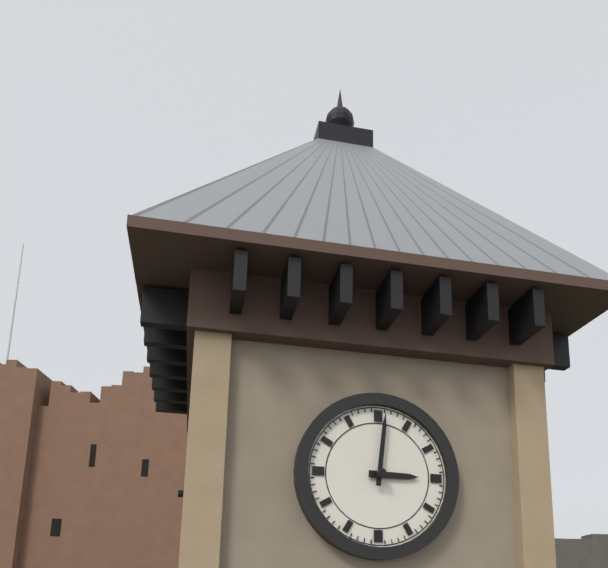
3 h 01 min
